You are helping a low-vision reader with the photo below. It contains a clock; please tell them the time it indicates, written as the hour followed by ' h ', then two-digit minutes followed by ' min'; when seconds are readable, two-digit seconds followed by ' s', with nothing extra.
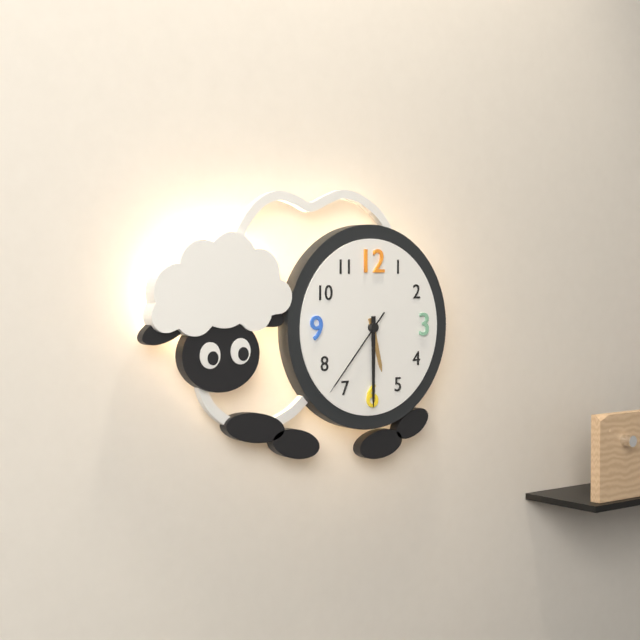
5 h 30 min 37 s
